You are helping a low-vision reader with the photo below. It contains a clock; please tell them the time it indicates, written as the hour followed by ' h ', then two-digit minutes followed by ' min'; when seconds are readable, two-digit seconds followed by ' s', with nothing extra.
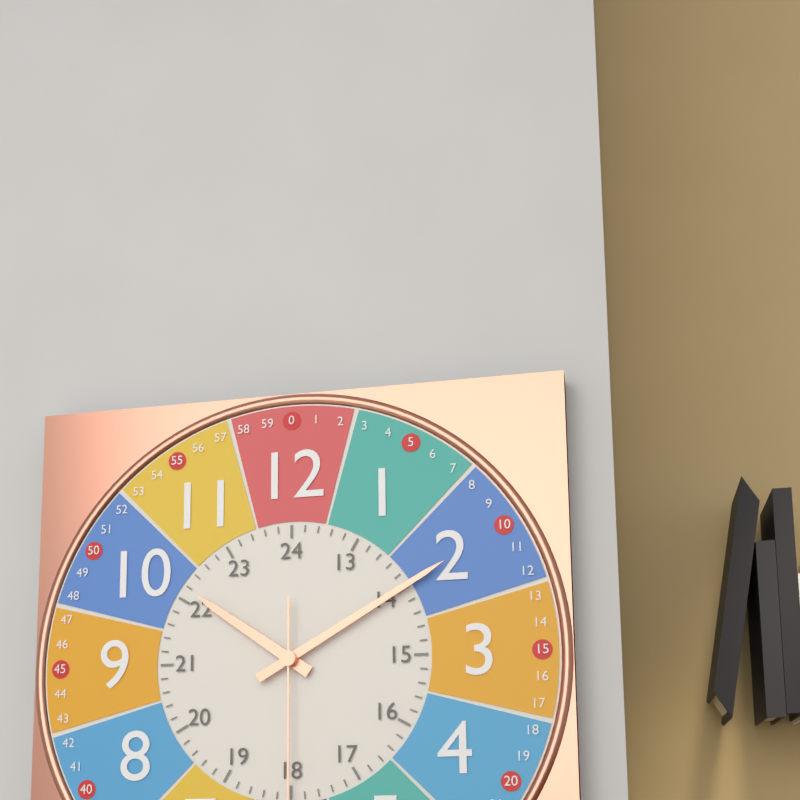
10 h 10 min
